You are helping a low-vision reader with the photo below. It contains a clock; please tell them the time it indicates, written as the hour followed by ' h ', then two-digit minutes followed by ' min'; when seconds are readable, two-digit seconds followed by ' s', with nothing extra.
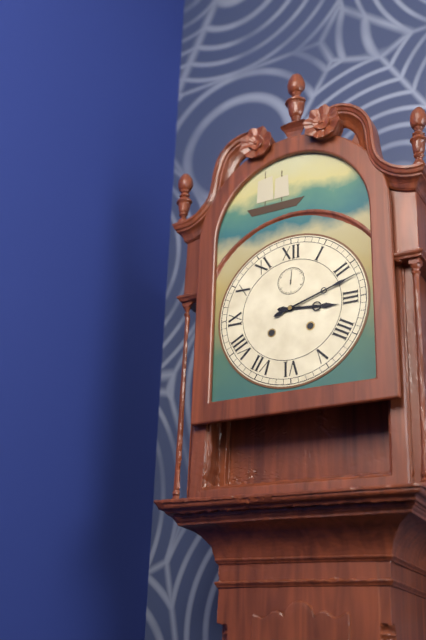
3 h 12 min
